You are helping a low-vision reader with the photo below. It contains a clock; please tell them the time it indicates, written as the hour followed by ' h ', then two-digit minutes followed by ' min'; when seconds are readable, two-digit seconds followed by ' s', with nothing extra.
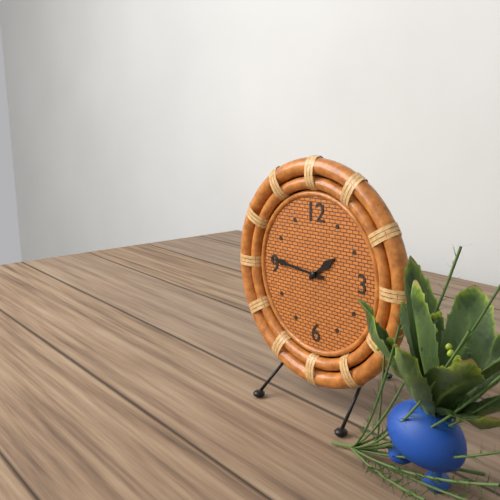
1 h 46 min
